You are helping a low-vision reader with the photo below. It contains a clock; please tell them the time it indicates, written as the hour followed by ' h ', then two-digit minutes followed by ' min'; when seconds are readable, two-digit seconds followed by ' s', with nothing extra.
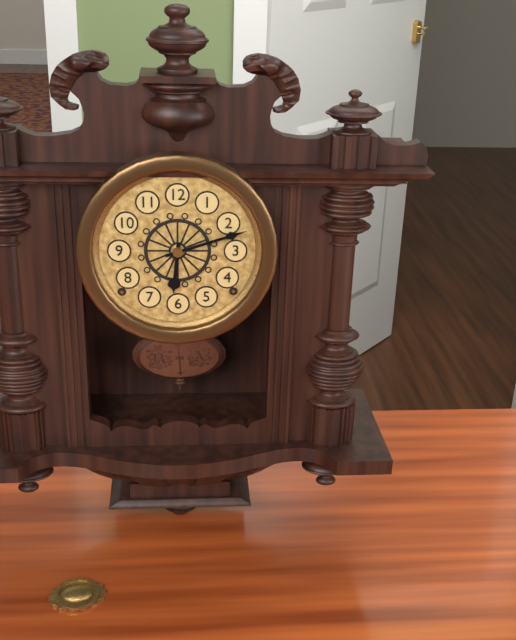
6 h 12 min
